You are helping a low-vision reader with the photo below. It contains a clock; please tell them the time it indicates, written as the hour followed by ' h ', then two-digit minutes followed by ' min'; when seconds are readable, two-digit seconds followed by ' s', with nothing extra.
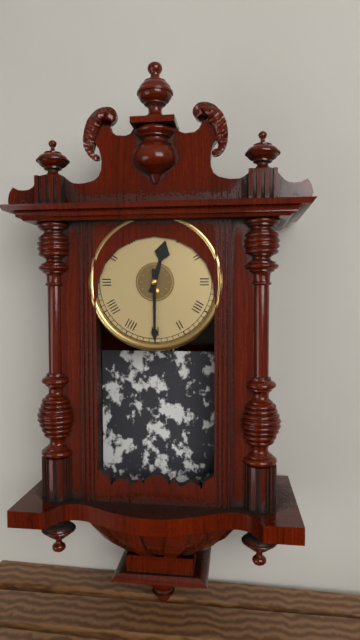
12 h 30 min
